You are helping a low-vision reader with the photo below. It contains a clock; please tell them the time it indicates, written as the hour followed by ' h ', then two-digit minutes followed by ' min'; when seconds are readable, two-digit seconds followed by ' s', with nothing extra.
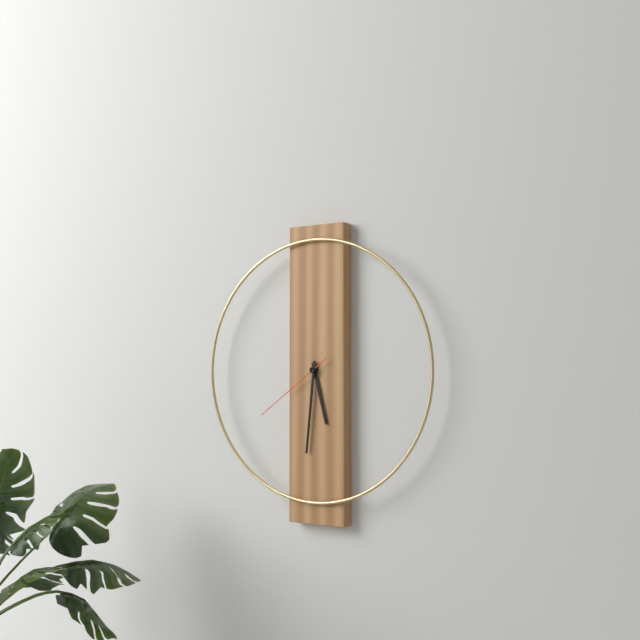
5 h 31 min 39 s
